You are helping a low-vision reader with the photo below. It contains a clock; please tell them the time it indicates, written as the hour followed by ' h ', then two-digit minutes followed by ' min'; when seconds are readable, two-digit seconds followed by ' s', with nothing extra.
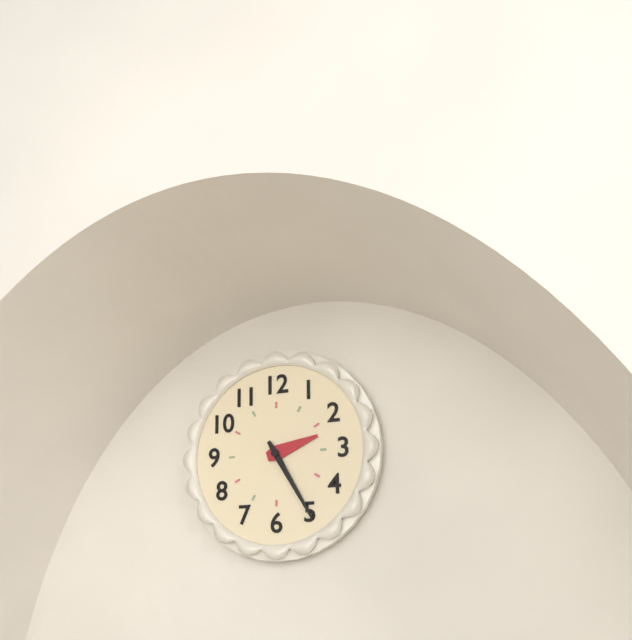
2 h 25 min
